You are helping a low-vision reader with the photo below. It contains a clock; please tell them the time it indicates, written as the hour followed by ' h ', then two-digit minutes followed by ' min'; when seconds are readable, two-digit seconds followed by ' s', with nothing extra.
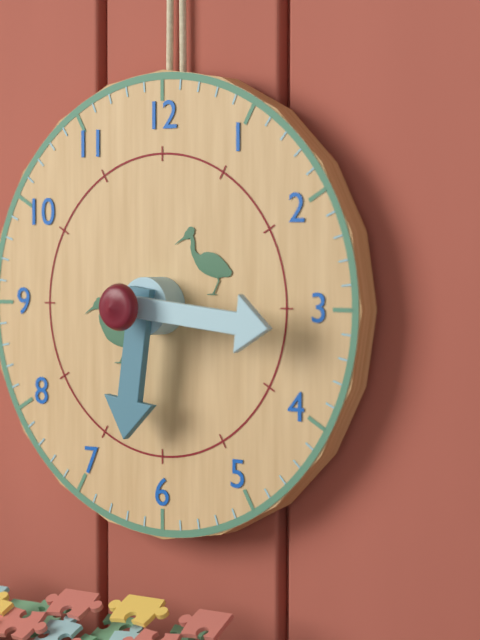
6 h 16 min
